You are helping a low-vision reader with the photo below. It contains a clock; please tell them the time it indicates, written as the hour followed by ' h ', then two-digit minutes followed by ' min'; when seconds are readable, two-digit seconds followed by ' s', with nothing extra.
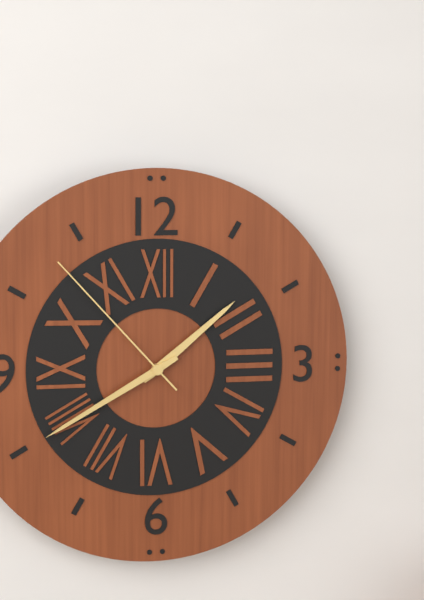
1 h 40 min 53 s
